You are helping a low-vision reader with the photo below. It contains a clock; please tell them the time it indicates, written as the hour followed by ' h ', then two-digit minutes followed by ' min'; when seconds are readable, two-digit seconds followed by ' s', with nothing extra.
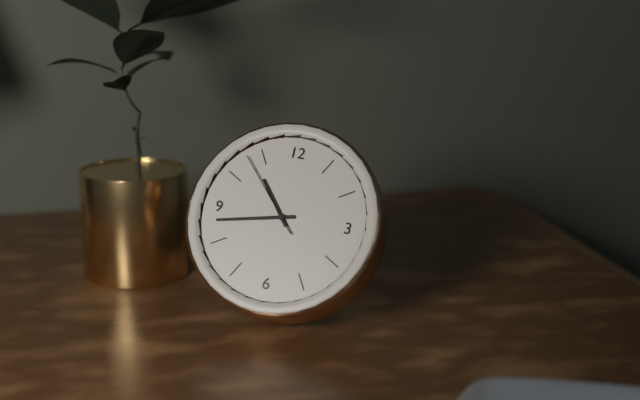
10 h 43 min 53 s
